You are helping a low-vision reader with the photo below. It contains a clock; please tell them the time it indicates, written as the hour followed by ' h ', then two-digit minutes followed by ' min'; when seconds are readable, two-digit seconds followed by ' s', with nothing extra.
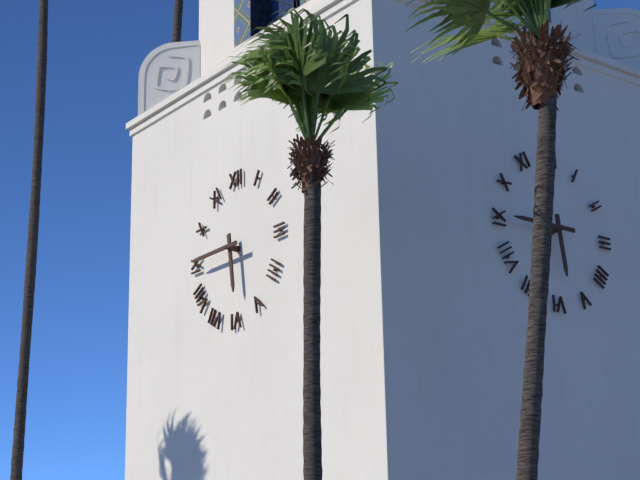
5 h 45 min
